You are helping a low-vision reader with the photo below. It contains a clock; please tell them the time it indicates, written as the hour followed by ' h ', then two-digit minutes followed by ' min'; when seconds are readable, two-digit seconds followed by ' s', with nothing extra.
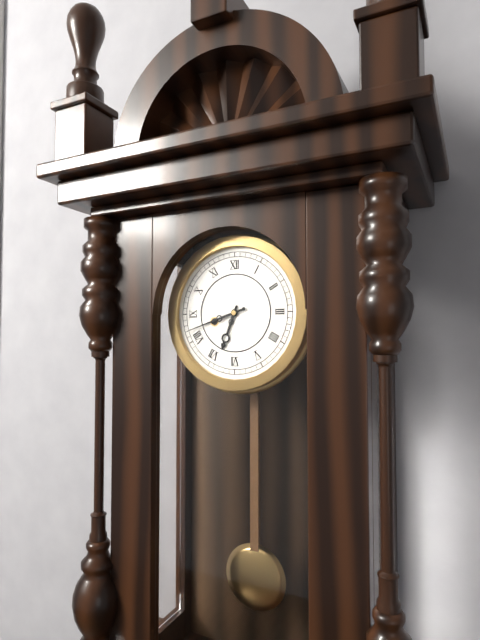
6 h 42 min
